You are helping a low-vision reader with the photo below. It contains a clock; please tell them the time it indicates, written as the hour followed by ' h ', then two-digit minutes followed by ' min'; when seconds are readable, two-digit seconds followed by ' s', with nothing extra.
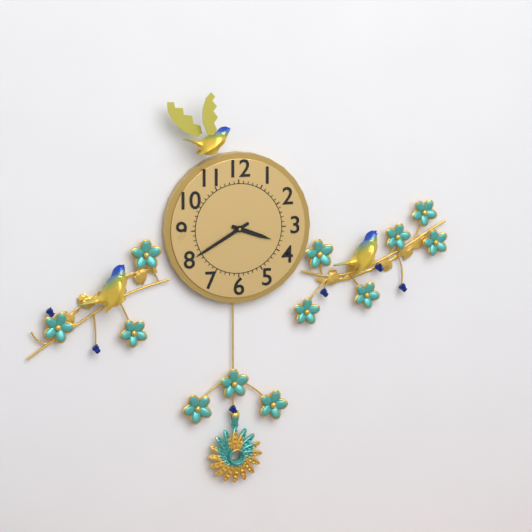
3 h 40 min
